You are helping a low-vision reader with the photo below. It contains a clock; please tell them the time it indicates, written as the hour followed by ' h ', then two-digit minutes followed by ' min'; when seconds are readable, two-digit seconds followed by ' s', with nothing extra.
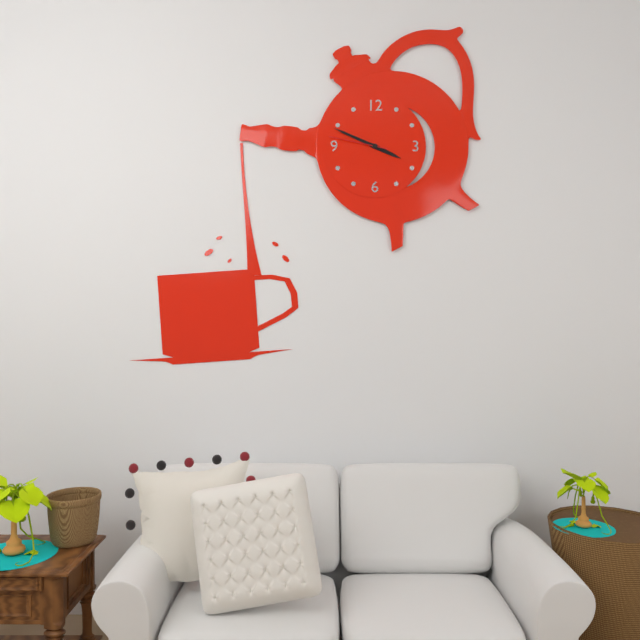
3 h 49 min 47 s
